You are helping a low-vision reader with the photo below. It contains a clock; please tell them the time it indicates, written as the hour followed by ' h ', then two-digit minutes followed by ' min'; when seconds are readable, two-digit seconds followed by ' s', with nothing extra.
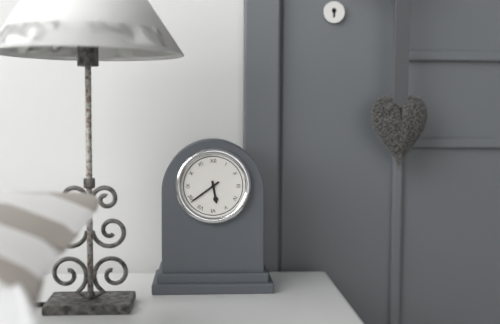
5 h 39 min
